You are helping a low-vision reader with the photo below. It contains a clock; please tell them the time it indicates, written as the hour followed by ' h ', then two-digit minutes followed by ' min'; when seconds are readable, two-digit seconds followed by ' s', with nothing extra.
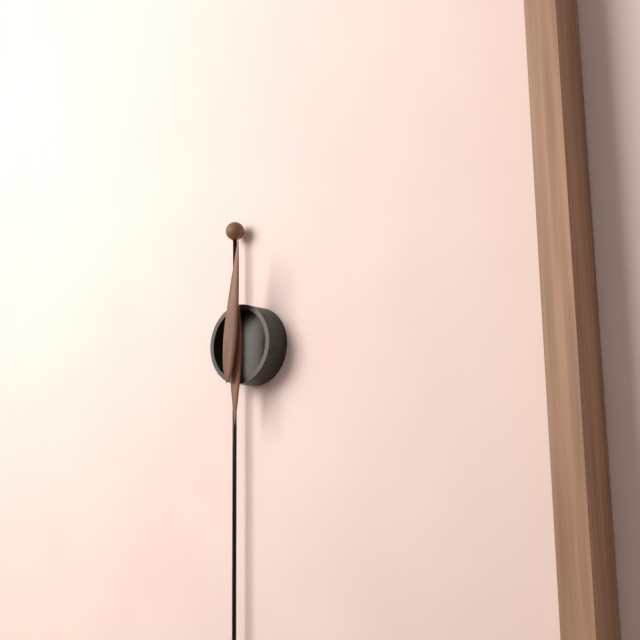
6 h 01 min
